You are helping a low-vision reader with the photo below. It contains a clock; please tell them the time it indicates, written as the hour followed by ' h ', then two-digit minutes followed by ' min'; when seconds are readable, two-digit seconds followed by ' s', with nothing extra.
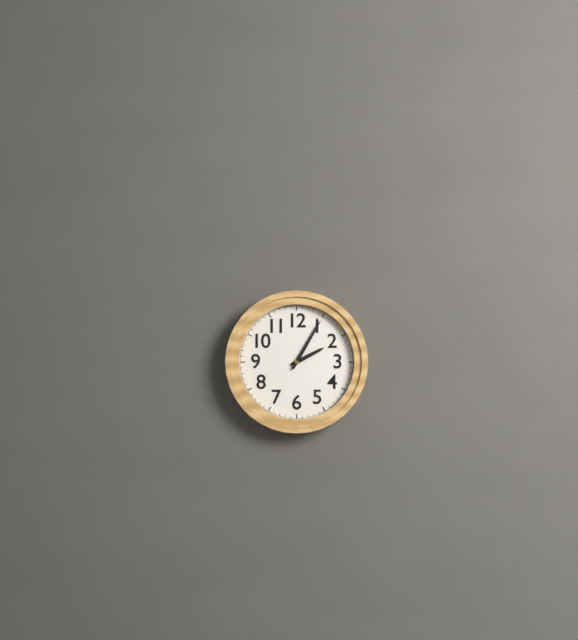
2 h 05 min
